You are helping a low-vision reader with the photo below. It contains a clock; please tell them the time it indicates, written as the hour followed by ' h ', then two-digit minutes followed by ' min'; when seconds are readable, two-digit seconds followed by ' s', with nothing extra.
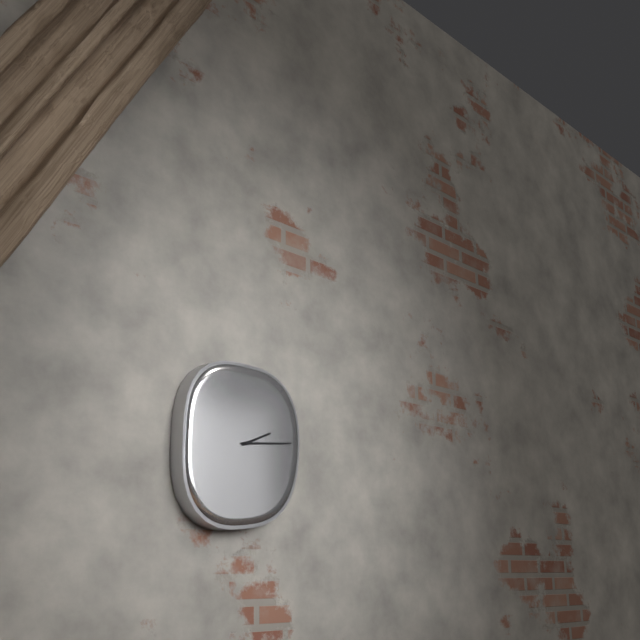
2 h 14 min
